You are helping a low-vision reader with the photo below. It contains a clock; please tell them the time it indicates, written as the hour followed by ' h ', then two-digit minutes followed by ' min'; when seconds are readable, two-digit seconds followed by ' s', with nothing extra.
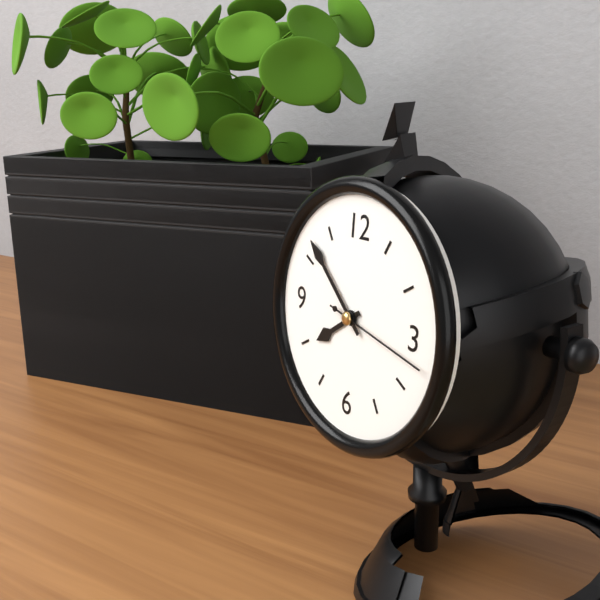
7 h 52 min 17 s
